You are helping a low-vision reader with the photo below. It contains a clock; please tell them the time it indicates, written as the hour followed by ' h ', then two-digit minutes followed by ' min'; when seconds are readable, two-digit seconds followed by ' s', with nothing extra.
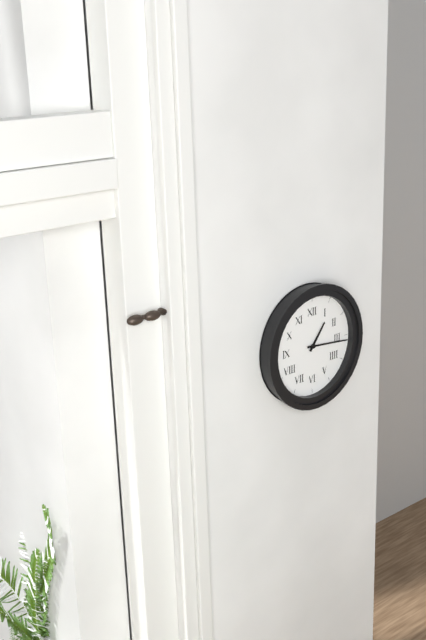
1 h 16 min
